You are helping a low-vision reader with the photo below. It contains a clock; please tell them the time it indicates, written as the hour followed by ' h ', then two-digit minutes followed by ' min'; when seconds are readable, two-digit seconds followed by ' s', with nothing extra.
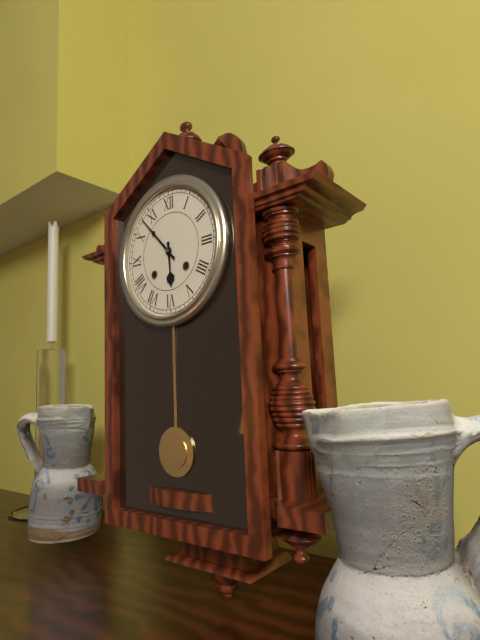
5 h 53 min
